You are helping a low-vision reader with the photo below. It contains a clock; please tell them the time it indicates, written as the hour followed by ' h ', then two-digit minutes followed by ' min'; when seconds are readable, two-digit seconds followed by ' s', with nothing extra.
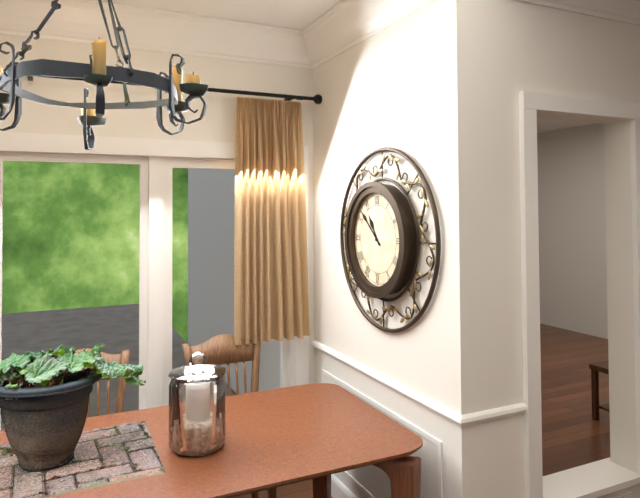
10 h 52 min
